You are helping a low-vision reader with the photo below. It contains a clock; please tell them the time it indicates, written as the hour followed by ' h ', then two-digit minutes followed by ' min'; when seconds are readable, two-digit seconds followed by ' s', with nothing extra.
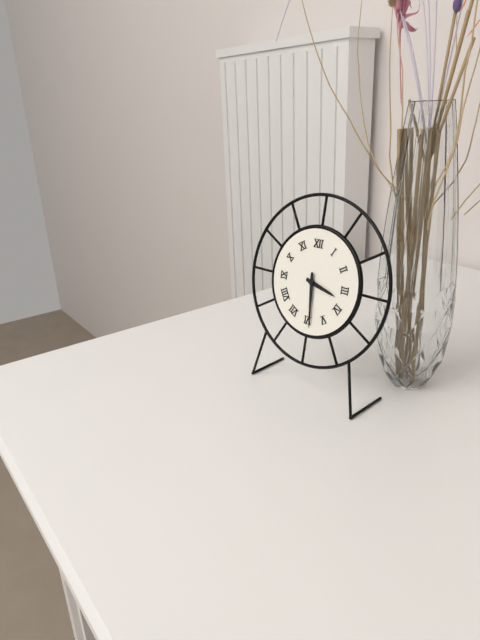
3 h 29 min
